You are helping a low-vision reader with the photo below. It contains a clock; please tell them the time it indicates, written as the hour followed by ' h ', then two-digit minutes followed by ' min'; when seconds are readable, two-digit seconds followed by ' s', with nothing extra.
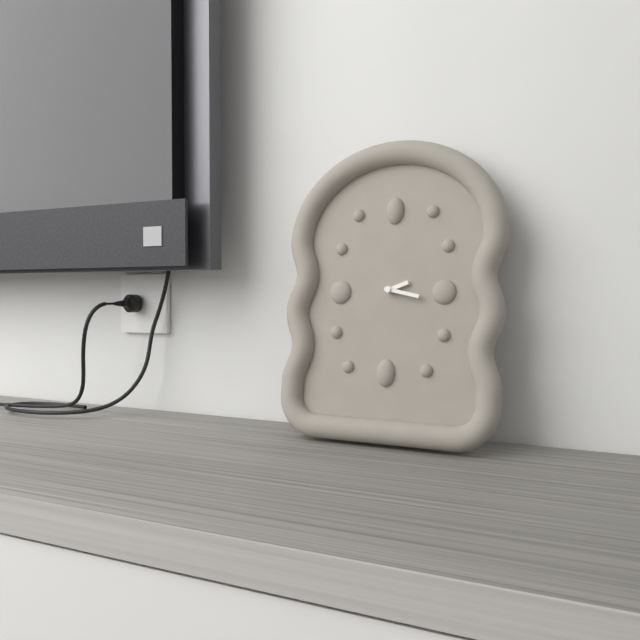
2 h 17 min
